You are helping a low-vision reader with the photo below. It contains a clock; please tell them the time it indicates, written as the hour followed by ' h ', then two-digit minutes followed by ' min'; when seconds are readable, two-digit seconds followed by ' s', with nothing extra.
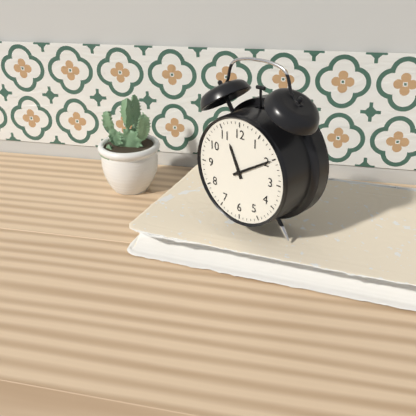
11 h 10 min
